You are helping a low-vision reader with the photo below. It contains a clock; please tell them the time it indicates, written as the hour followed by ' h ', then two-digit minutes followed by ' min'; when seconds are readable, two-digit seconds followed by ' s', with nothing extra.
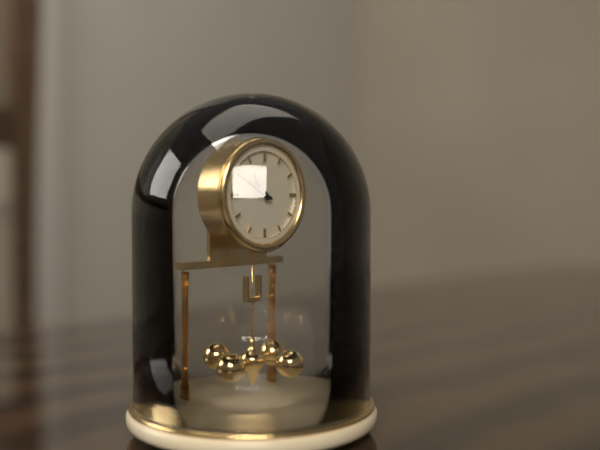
10 h 50 min
